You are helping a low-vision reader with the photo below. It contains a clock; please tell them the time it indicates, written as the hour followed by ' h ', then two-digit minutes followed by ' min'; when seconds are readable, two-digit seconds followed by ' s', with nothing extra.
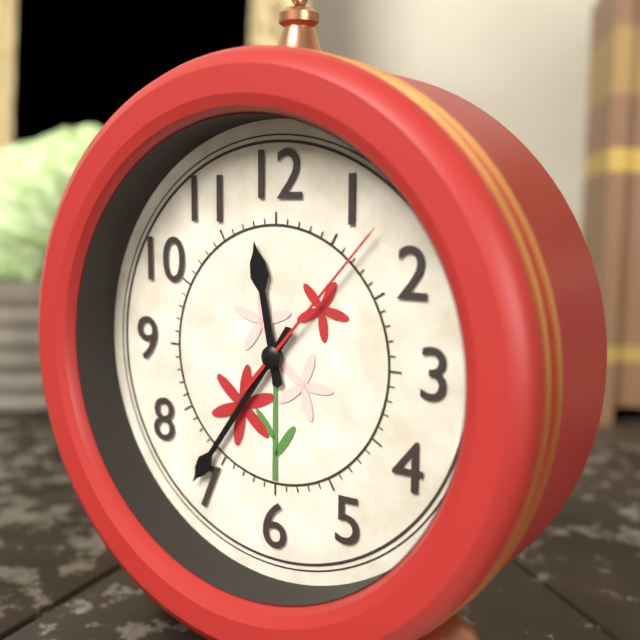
11 h 36 min 07 s
